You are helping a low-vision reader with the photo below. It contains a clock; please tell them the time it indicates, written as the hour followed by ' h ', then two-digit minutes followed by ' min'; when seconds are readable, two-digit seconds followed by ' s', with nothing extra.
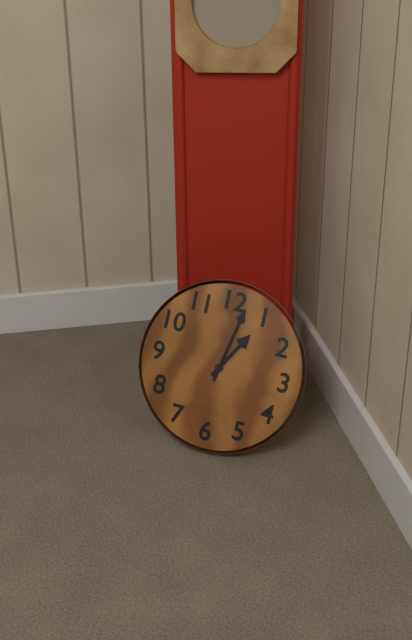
1 h 02 min
